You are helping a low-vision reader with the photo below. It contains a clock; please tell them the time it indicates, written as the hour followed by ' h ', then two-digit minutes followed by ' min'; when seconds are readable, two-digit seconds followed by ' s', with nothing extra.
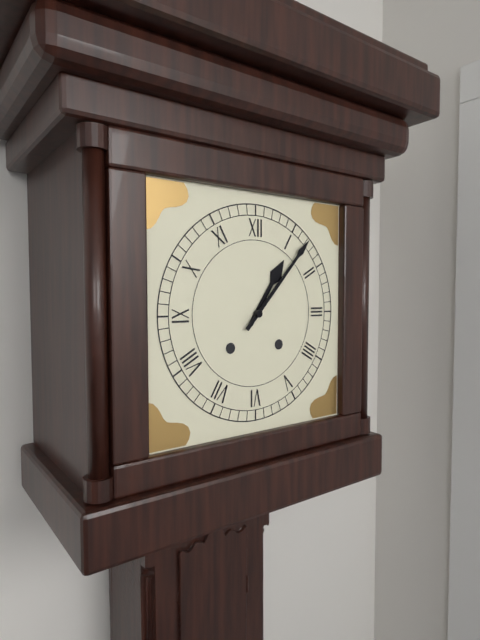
1 h 07 min
